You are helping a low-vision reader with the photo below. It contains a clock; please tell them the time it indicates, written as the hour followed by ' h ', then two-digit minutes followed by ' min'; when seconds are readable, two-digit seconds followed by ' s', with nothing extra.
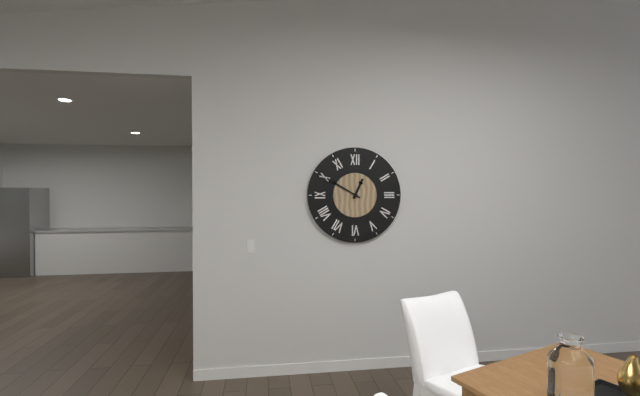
12 h 50 min
